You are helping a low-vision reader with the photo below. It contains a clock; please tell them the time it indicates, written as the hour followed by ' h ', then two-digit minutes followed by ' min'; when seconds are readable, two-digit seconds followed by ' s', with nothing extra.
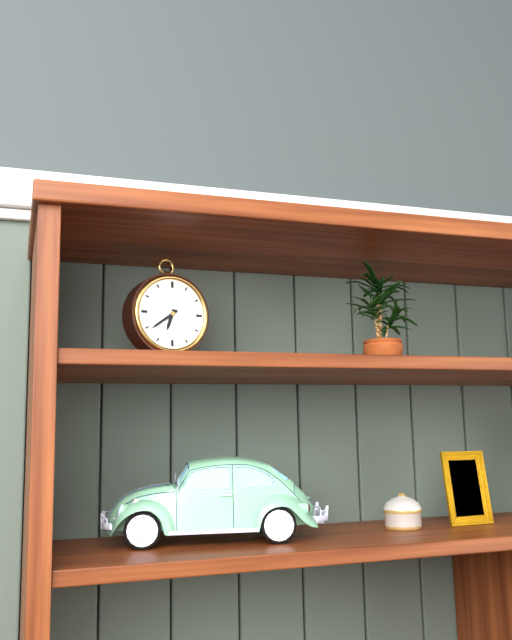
6 h 39 min
